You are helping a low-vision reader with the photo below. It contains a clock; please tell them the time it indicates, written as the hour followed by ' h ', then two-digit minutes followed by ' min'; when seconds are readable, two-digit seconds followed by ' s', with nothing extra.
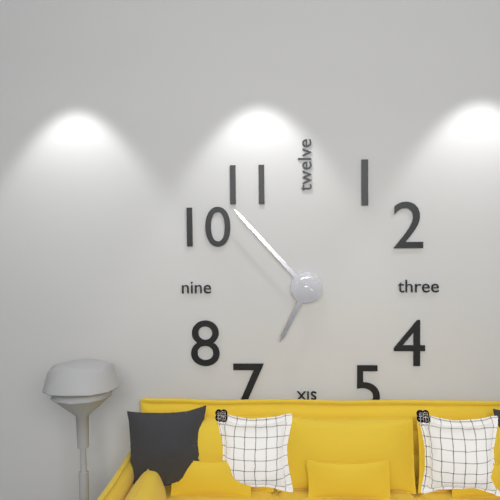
6 h 53 min
